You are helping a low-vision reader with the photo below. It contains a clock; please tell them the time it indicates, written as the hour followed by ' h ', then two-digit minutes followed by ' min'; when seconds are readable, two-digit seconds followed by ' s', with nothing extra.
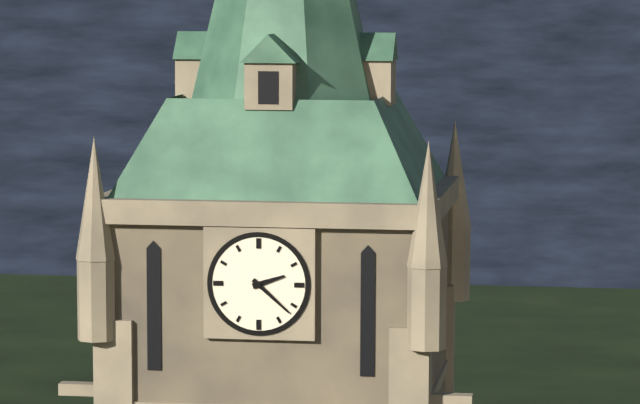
2 h 22 min
